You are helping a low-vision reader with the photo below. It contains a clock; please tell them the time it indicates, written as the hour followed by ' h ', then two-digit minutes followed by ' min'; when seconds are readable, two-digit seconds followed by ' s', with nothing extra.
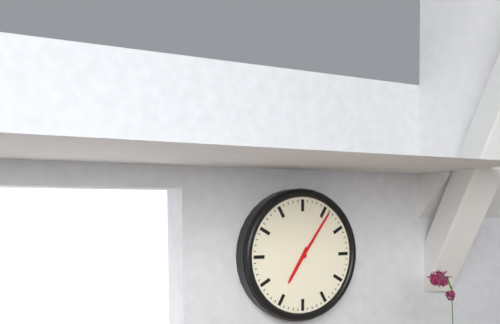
7 h 06 min
